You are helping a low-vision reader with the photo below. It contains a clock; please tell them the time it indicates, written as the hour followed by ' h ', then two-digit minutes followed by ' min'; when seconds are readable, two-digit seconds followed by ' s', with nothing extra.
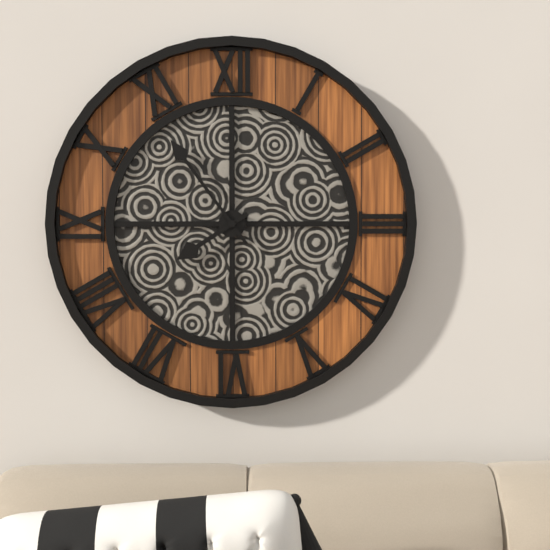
7 h 54 min
